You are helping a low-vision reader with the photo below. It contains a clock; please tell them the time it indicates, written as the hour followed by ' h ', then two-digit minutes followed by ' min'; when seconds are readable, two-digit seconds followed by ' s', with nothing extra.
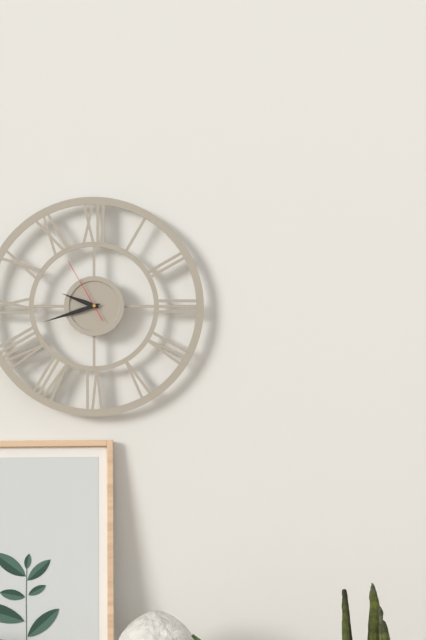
9 h 42 min 55 s
